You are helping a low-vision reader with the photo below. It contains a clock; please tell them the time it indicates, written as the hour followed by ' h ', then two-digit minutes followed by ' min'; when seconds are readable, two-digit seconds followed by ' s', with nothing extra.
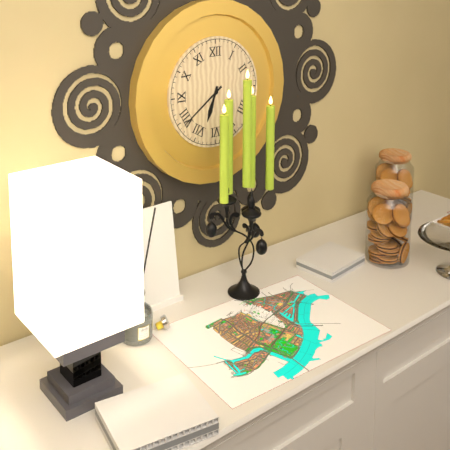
6 h 39 min
